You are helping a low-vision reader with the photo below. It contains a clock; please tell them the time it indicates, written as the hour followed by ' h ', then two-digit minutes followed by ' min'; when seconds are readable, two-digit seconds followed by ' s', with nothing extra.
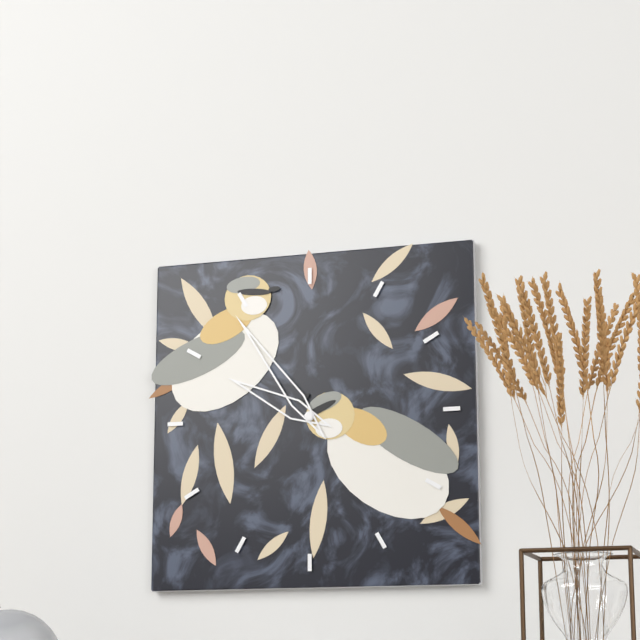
9 h 54 min
